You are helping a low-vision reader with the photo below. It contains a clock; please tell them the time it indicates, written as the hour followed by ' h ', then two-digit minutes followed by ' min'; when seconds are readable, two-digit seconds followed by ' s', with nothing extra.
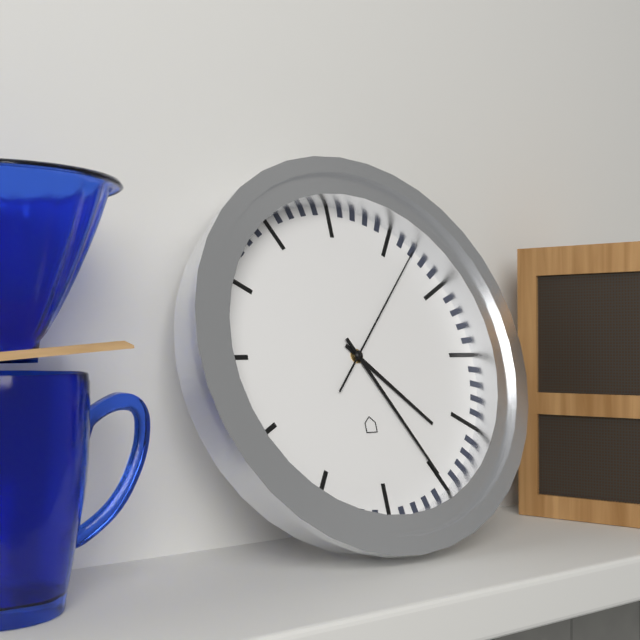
4 h 25 min 07 s
